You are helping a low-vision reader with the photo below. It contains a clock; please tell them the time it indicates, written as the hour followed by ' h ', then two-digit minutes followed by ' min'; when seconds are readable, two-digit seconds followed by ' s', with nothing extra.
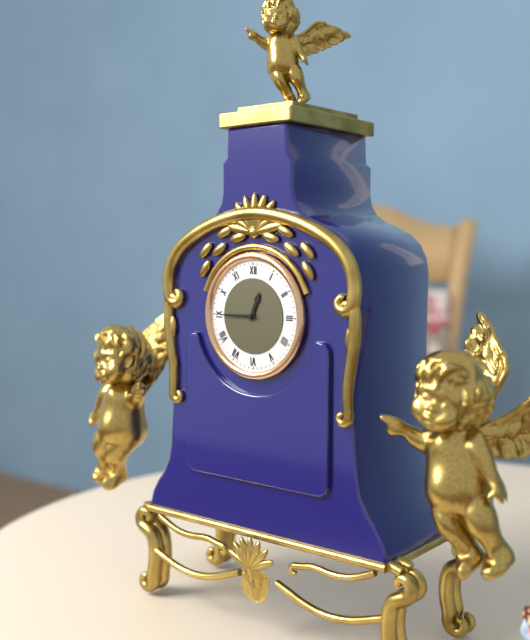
12 h 45 min
